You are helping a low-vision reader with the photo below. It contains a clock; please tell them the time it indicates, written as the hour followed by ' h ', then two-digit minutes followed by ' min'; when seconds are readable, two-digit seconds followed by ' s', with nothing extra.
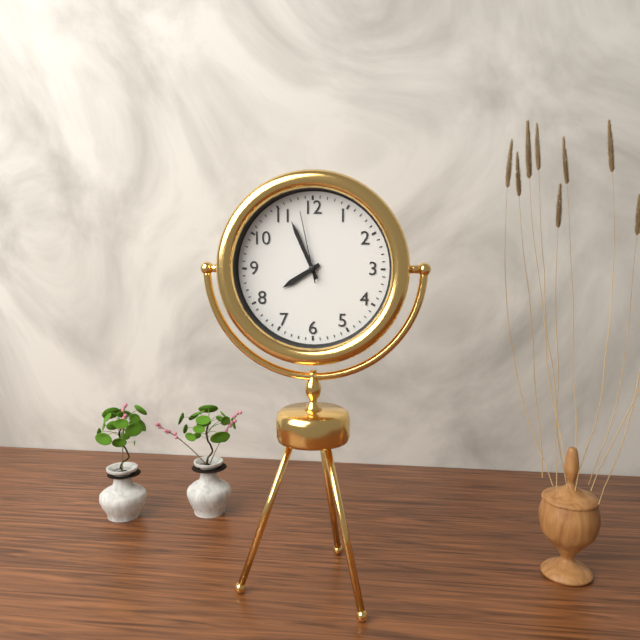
7 h 56 min 58 s
